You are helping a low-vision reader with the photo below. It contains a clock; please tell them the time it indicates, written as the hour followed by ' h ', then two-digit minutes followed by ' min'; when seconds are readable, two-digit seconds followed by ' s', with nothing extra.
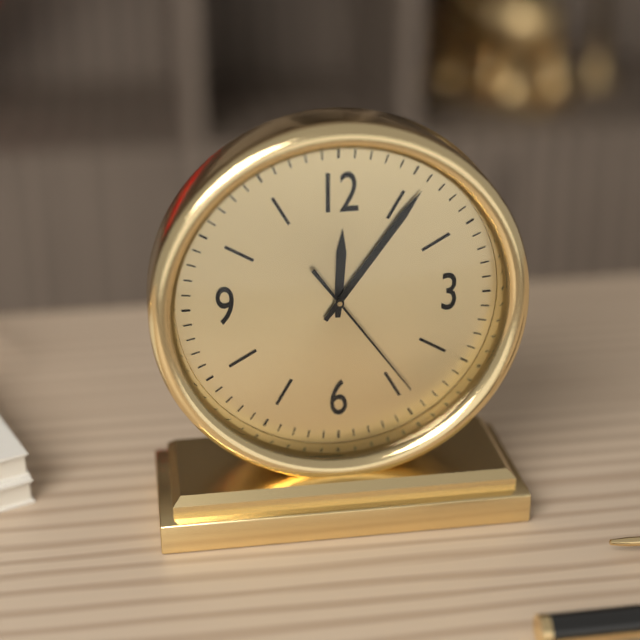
12 h 06 min 24 s
